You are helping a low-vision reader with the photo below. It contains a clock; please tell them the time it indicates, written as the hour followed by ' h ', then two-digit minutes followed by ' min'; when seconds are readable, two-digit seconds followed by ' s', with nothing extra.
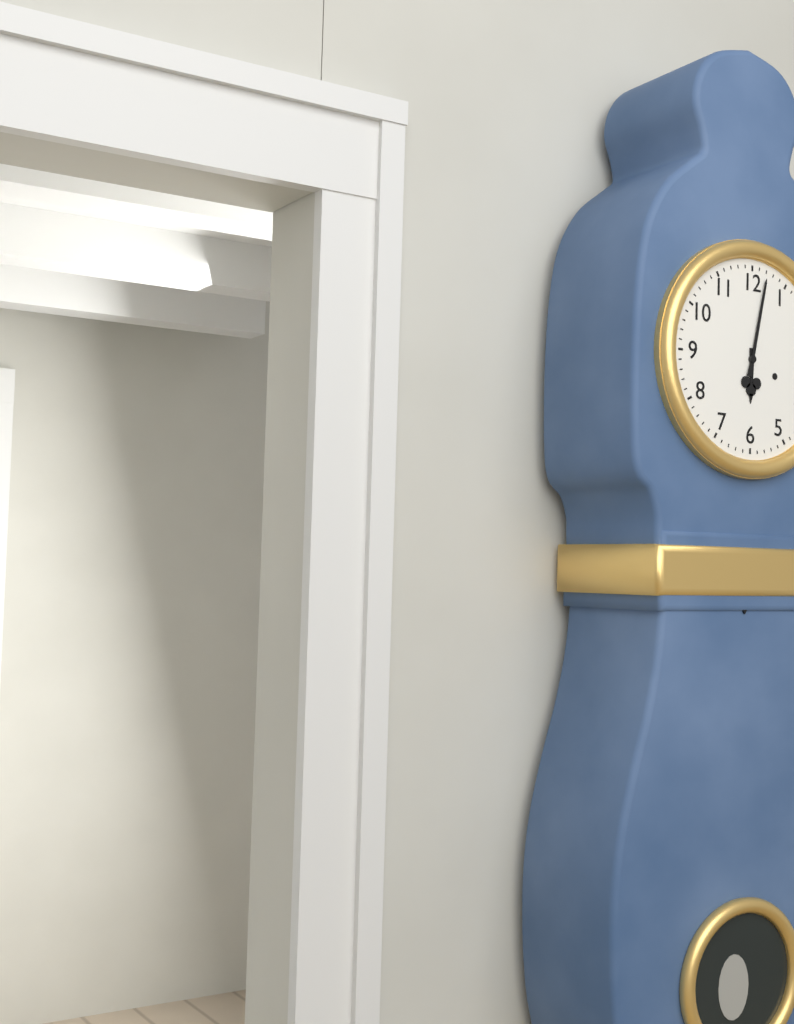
6 h 02 min
